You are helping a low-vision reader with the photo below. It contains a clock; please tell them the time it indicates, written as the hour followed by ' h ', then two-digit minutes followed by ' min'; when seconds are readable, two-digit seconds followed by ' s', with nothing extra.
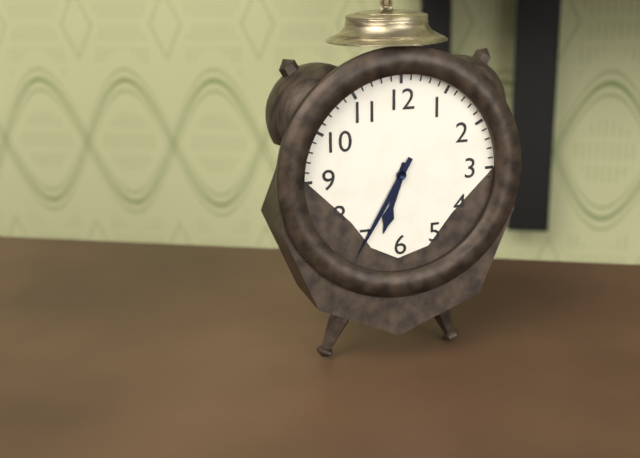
6 h 35 min
